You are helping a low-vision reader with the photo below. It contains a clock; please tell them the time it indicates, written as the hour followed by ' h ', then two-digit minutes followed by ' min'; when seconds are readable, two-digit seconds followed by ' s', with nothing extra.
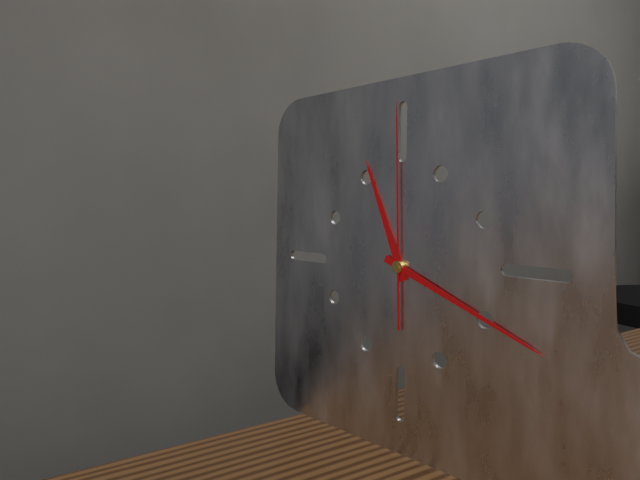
11 h 19 min 00 s
